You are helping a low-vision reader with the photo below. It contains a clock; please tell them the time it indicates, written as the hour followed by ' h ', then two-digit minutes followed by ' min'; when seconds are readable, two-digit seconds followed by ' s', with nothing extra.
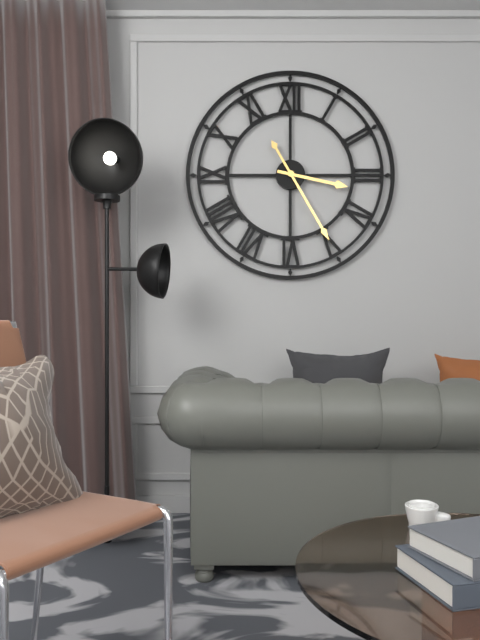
3 h 25 min
